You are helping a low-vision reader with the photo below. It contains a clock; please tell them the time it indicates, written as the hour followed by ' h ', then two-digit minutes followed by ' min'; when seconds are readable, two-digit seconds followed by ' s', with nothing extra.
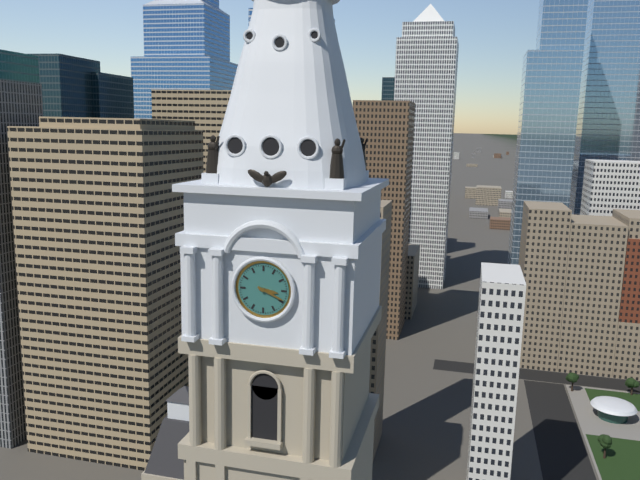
3 h 19 min
